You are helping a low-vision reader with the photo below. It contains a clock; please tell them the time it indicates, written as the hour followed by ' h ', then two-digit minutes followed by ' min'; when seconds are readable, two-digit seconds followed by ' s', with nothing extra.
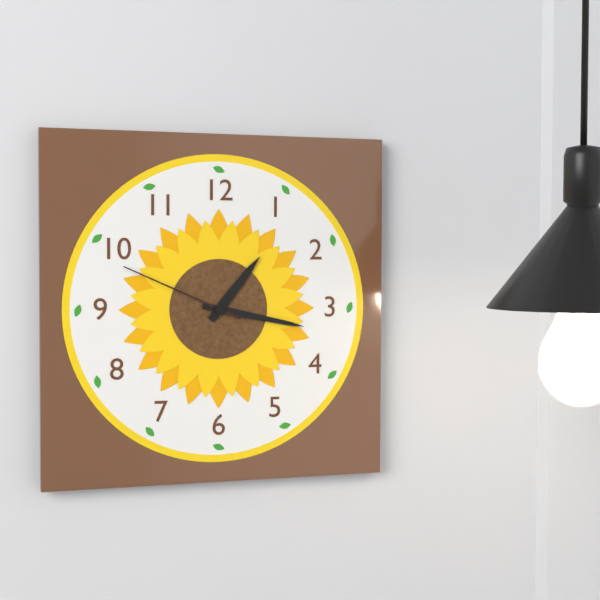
1 h 17 min 49 s
